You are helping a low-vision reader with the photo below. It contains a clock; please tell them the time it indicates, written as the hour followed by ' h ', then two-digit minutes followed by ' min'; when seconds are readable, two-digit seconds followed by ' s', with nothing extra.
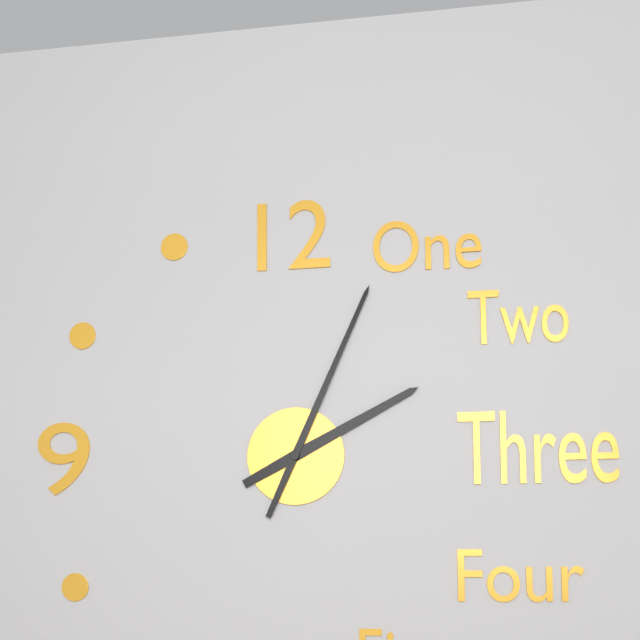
2 h 04 min
